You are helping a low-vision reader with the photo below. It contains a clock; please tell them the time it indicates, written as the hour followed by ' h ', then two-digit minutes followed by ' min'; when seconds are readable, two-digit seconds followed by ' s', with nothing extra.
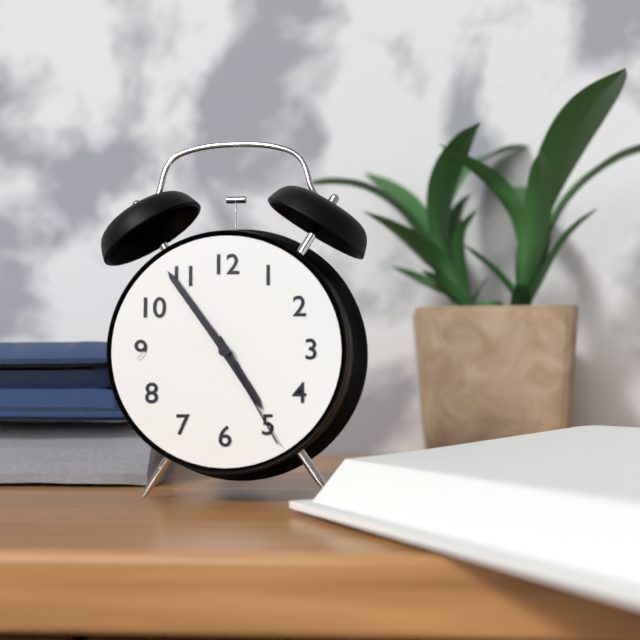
4 h 54 min 25 s
